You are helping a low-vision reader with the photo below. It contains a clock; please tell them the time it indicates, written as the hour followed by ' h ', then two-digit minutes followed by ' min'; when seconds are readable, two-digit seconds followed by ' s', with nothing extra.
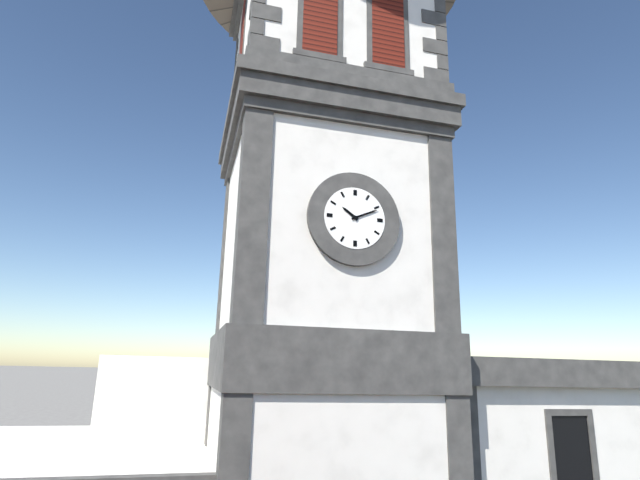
10 h 11 min
